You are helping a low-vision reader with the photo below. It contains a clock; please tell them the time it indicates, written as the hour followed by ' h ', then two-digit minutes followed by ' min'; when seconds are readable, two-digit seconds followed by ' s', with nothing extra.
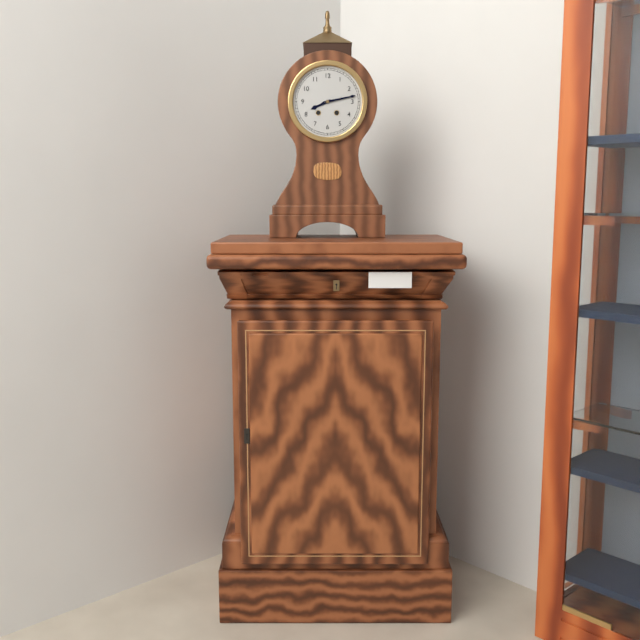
8 h 13 min
